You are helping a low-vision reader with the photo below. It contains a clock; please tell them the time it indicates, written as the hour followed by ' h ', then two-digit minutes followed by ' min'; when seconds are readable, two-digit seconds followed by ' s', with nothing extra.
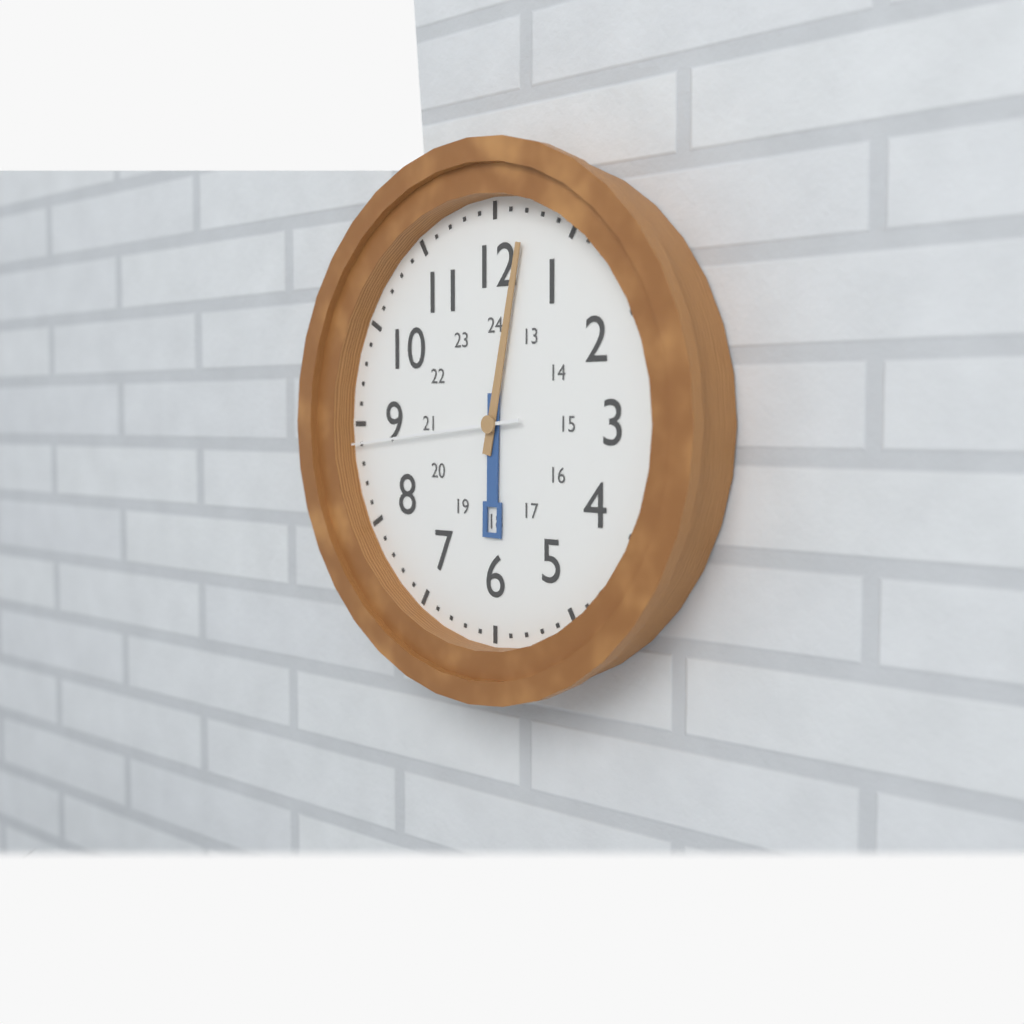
6 h 02 min 44 s
